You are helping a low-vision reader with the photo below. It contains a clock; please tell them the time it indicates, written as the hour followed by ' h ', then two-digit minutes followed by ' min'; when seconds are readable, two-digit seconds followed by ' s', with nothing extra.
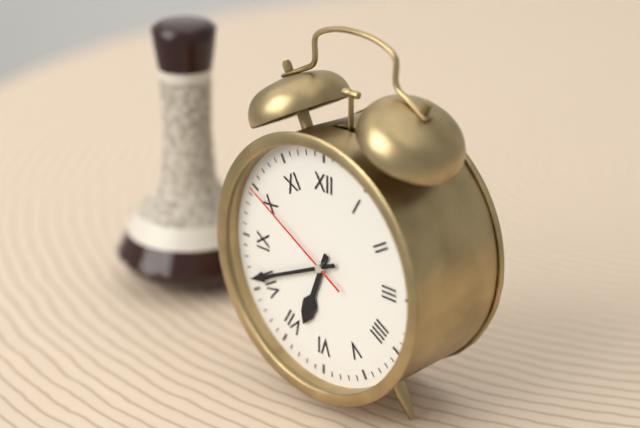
6 h 41 min 50 s
